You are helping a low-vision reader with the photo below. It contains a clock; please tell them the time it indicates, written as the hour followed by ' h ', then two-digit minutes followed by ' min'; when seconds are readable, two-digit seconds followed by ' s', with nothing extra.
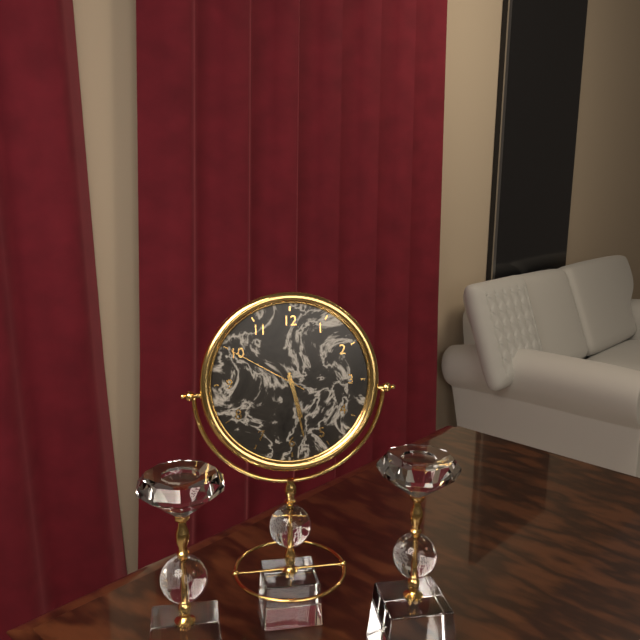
5 h 28 min 50 s
